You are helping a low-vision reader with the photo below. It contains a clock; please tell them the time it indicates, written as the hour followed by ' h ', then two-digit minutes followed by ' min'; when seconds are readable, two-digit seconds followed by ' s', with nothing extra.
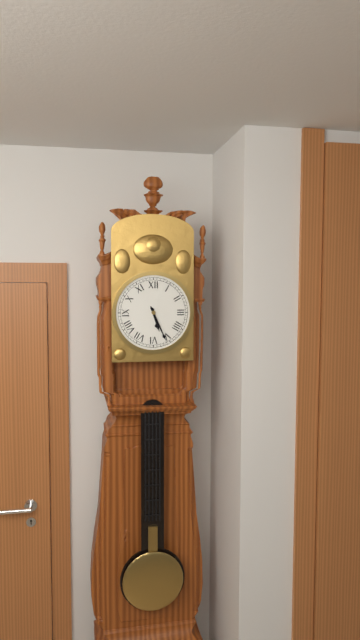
5 h 26 min
